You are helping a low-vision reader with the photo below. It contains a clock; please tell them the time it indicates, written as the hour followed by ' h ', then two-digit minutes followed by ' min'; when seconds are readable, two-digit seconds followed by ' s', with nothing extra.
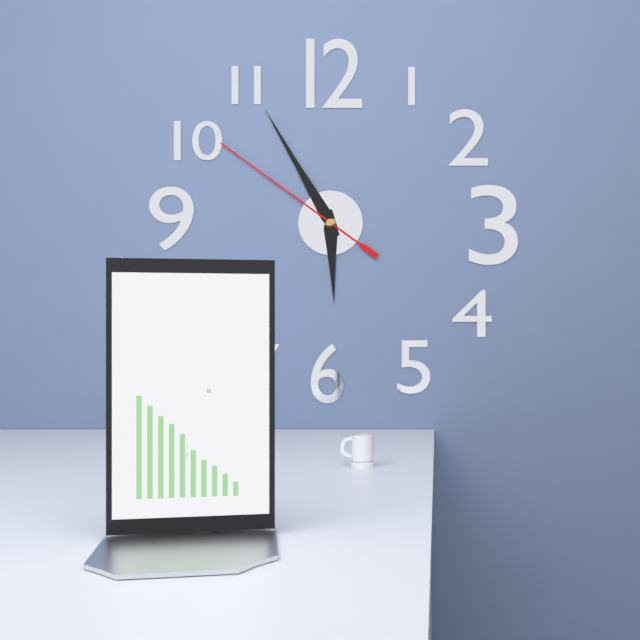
5 h 55 min 51 s
